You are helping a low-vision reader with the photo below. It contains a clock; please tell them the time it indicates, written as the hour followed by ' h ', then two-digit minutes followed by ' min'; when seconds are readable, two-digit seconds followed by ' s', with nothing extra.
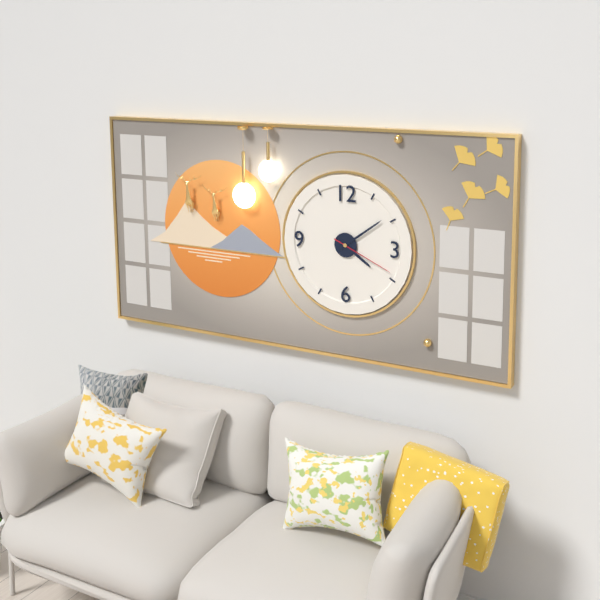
4 h 09 min 19 s
